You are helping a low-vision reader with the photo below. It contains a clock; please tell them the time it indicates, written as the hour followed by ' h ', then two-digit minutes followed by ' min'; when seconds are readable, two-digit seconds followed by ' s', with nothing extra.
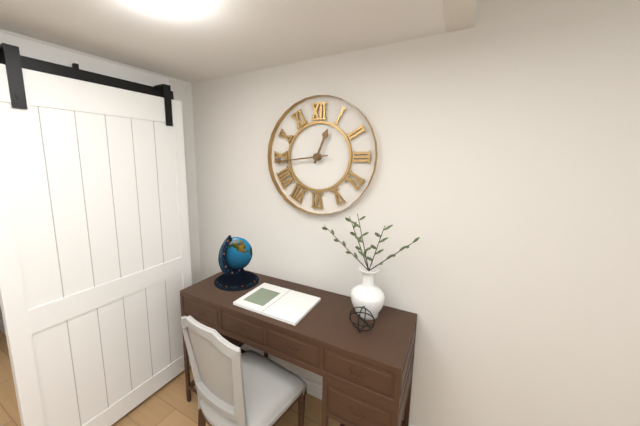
12 h 44 min
